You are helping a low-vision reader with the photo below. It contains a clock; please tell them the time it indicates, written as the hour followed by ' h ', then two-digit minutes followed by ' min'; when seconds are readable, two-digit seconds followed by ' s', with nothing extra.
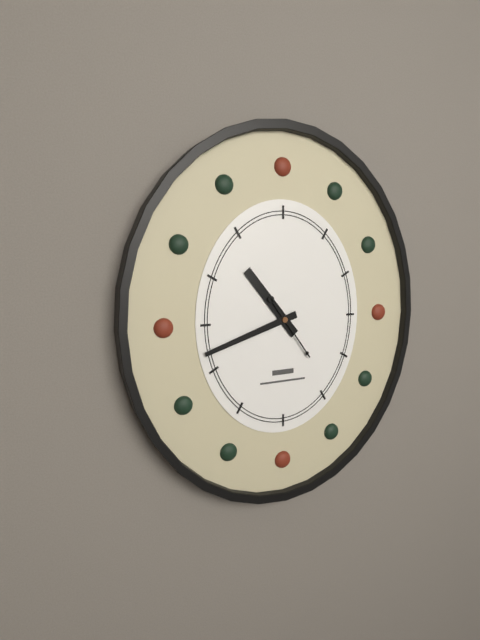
10 h 42 min 24 s
